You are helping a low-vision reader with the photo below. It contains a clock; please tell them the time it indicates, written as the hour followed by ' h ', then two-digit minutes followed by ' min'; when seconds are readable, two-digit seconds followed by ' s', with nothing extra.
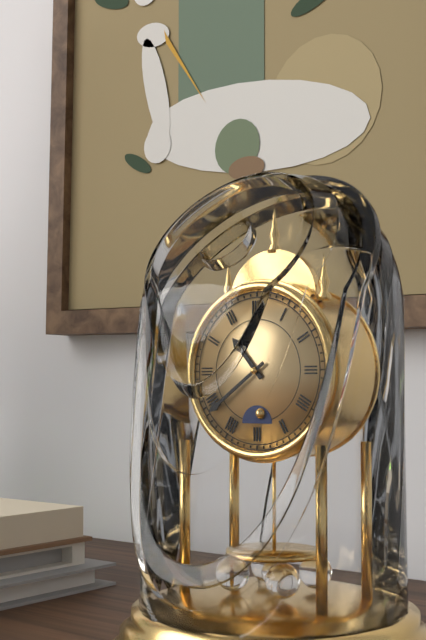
10 h 39 min
